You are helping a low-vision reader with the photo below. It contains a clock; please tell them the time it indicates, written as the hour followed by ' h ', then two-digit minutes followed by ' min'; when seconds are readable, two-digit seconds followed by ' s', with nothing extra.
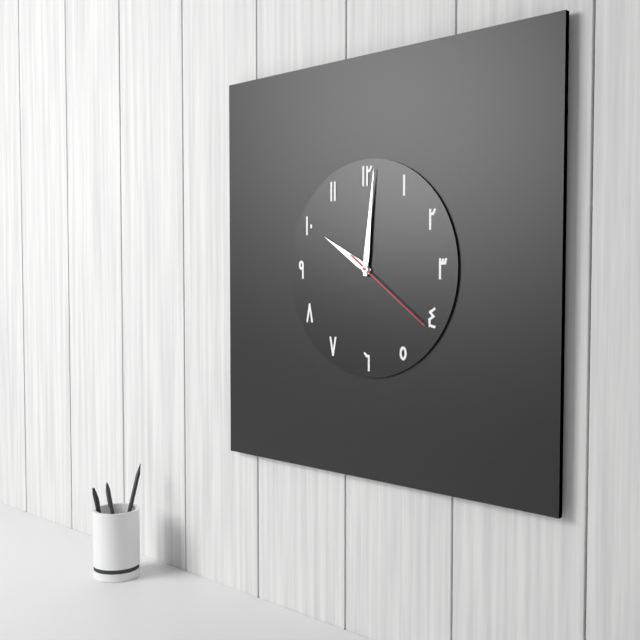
10 h 01 min 21 s
